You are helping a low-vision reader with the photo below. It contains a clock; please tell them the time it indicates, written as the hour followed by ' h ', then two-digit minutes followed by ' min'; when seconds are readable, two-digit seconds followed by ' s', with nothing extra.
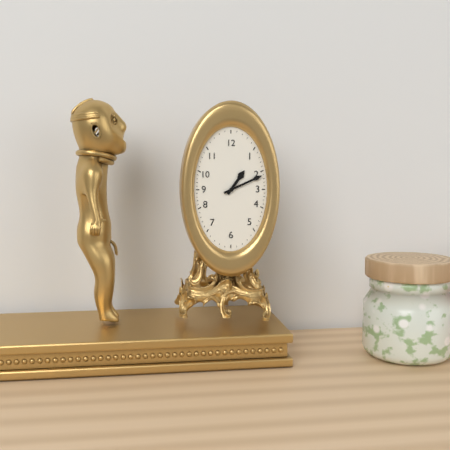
1 h 11 min
